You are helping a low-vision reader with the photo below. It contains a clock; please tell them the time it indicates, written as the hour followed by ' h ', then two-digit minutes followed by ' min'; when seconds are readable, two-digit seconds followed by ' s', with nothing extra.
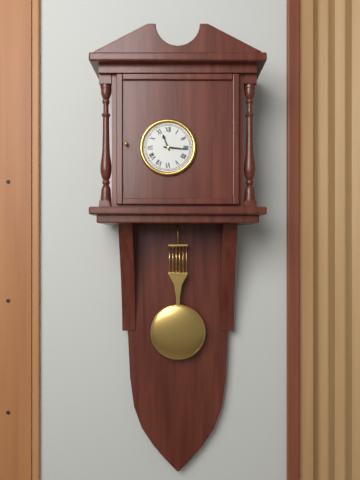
11 h 16 min
